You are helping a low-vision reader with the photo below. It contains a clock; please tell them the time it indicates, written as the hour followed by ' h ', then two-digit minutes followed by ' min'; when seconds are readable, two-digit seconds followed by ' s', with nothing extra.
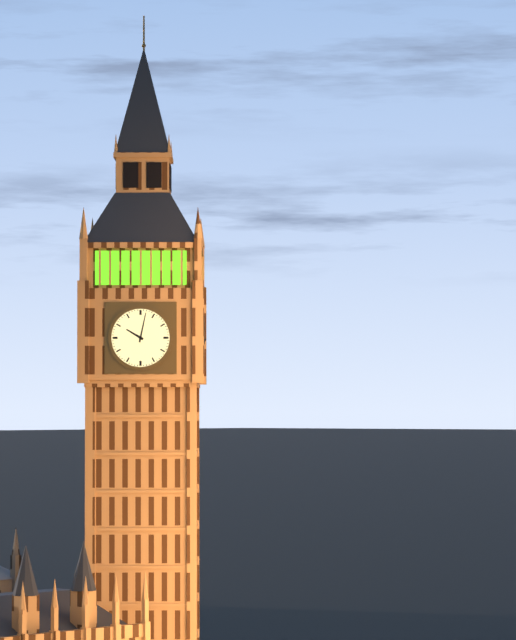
10 h 02 min
